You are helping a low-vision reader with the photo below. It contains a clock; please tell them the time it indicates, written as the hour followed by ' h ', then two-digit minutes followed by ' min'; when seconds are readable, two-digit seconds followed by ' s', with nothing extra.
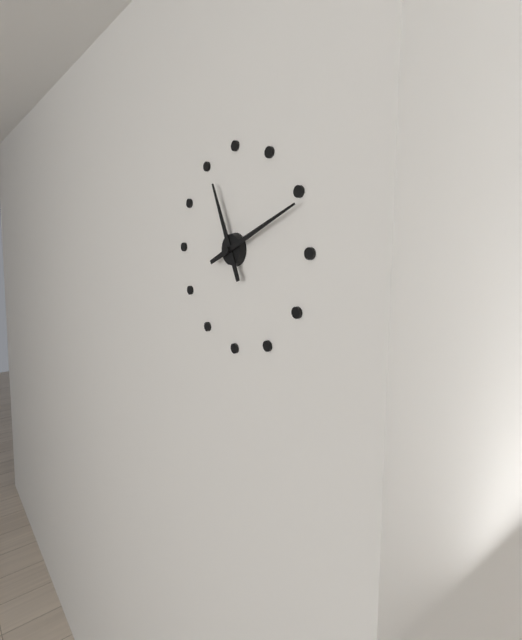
11 h 11 min
